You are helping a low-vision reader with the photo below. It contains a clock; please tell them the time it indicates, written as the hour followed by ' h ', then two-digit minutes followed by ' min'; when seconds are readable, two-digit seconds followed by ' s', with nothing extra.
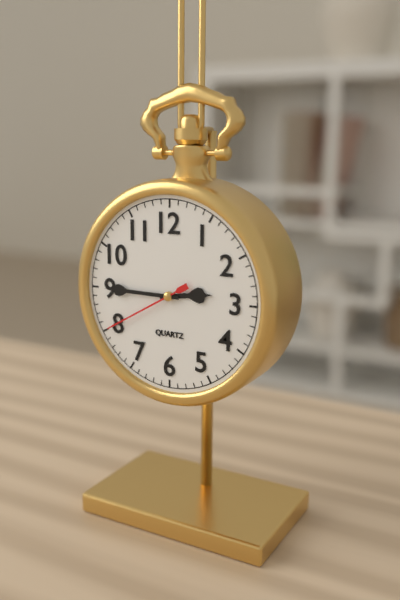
2 h 45 min 40 s
